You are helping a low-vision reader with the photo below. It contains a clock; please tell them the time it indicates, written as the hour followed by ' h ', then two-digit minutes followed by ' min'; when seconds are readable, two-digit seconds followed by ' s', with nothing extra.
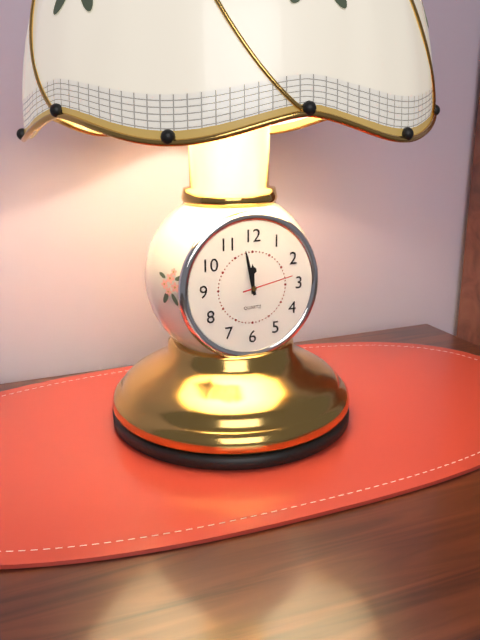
11 h 58 min 13 s
